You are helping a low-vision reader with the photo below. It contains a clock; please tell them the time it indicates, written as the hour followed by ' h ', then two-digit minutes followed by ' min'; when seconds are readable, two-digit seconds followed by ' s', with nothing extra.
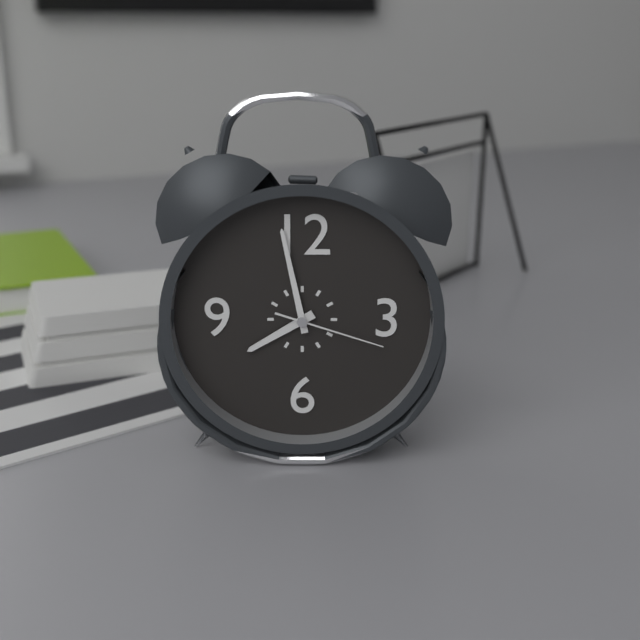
7 h 58 min 18 s
